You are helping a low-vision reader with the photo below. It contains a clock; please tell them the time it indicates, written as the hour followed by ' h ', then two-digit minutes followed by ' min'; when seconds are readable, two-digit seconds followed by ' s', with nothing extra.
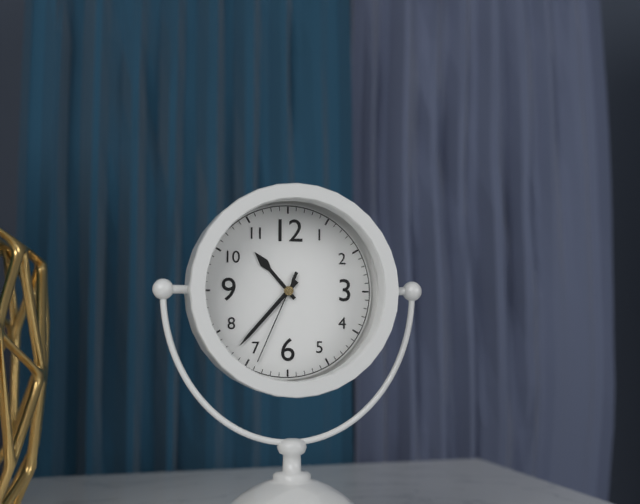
10 h 37 min 34 s
